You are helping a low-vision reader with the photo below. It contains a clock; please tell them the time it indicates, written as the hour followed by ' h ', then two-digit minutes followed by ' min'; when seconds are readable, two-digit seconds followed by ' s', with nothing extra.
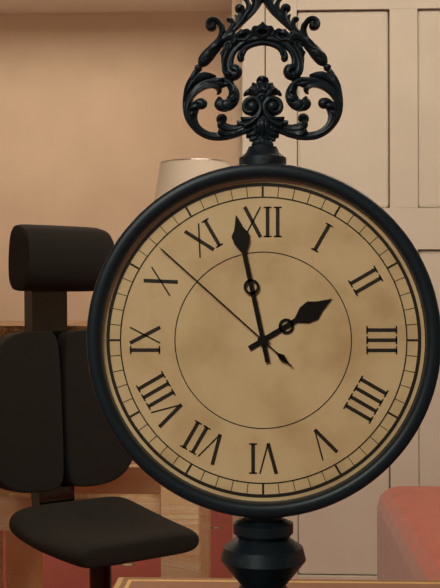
1 h 58 min 52 s
